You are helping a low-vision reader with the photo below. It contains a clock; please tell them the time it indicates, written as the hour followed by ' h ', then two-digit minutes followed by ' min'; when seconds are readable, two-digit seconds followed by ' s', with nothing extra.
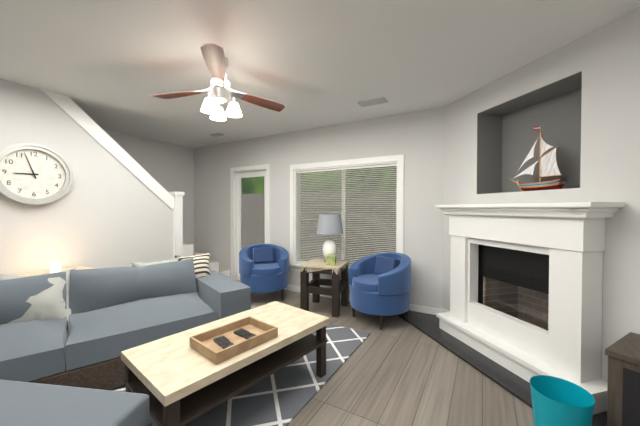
8 h 57 min
